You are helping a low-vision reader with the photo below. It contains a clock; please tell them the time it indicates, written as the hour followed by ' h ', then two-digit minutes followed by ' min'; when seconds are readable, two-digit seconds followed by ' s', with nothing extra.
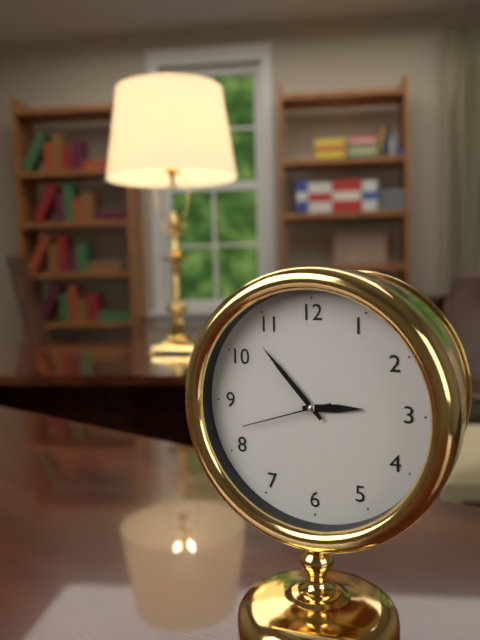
2 h 53 min 42 s
